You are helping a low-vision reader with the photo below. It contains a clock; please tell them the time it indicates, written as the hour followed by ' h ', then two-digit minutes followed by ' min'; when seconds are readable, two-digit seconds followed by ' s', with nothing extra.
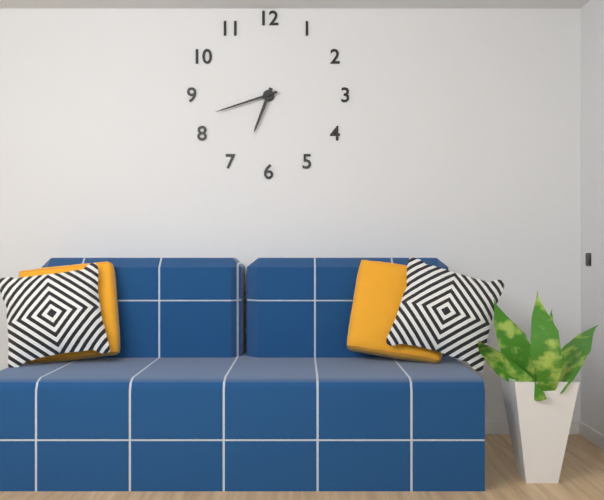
6 h 42 min
